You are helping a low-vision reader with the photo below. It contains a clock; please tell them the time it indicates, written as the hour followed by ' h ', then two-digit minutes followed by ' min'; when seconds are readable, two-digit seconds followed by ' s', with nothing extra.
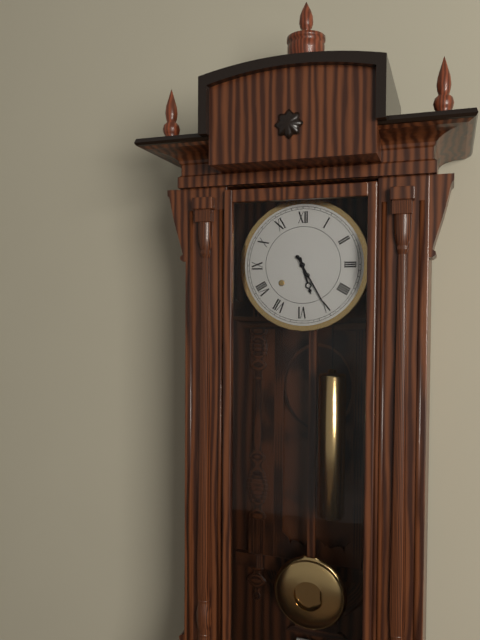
5 h 25 min
